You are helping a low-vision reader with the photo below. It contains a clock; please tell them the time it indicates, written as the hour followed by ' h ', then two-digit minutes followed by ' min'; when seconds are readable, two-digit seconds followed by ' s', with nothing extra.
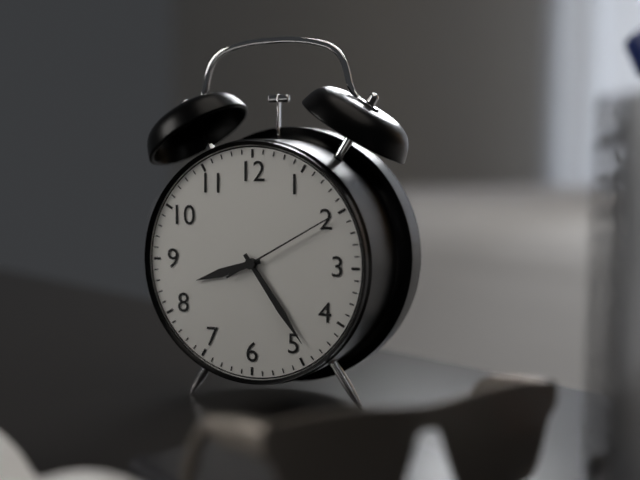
8 h 24 min 10 s
